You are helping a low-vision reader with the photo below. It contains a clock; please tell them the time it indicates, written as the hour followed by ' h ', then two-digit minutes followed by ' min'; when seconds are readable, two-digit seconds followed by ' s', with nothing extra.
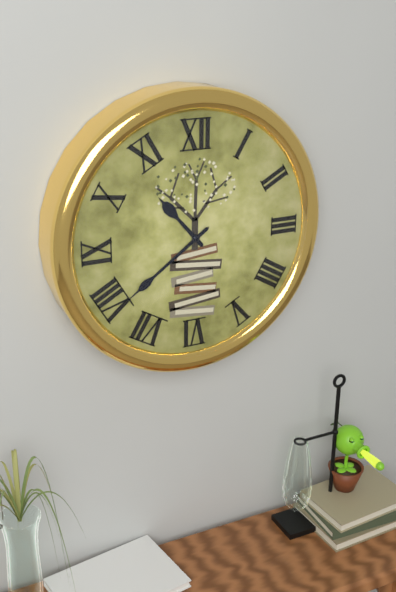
10 h 39 min
